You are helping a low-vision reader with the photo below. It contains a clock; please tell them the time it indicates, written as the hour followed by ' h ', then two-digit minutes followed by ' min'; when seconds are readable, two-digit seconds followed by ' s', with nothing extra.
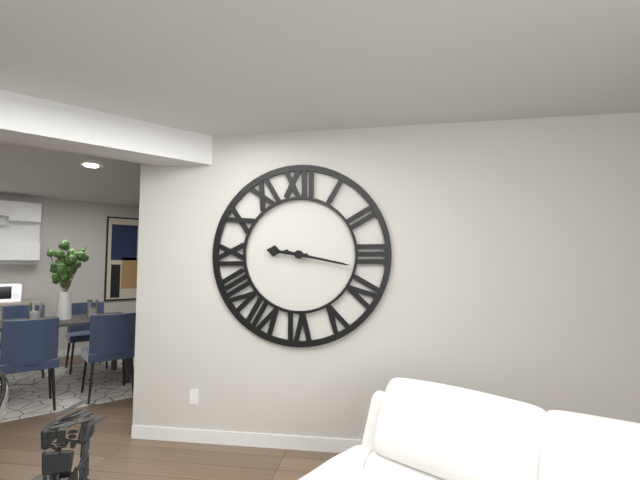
9 h 17 min
